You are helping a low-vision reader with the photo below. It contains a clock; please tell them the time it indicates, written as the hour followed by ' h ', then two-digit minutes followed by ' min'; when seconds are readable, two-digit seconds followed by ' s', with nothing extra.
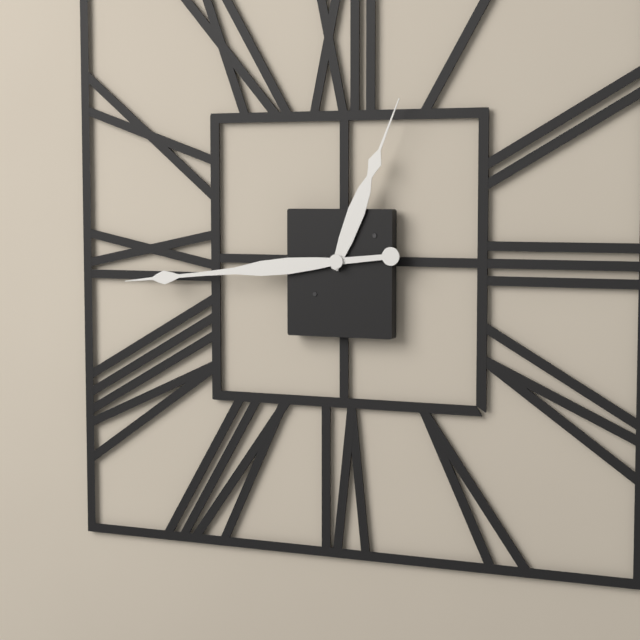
12 h 44 min
